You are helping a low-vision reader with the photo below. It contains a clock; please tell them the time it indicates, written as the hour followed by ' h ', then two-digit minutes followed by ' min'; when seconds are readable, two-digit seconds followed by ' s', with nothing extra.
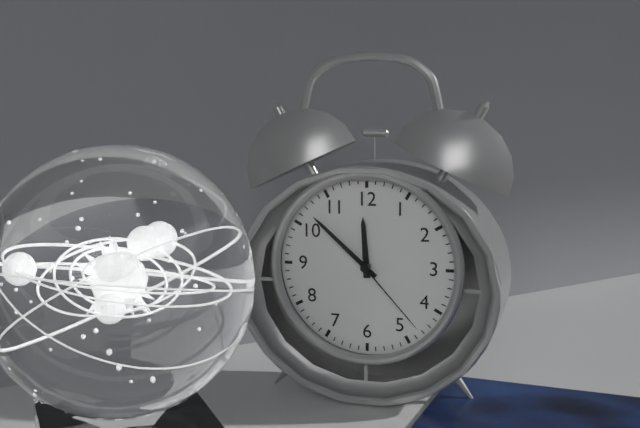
11 h 52 min 23 s
